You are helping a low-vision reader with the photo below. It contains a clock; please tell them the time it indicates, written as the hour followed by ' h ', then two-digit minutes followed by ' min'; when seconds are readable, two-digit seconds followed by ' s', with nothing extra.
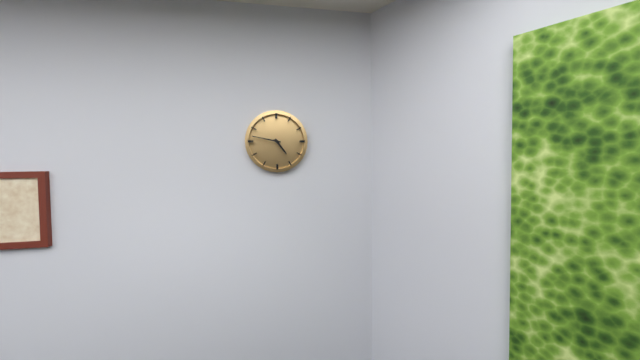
4 h 47 min
